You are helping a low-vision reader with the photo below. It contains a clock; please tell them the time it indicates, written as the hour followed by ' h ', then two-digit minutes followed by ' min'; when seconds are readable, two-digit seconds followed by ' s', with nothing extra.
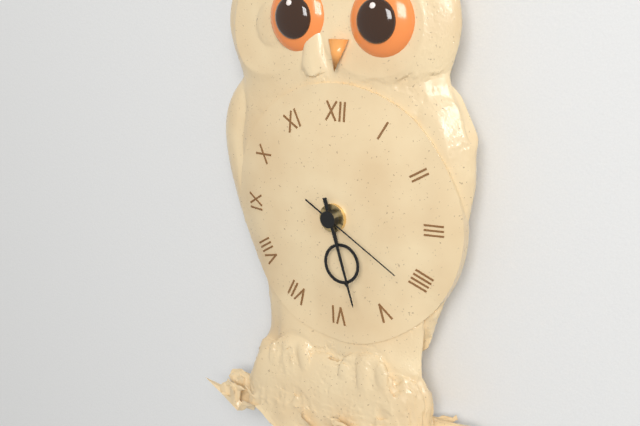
5 h 27 min 20 s
